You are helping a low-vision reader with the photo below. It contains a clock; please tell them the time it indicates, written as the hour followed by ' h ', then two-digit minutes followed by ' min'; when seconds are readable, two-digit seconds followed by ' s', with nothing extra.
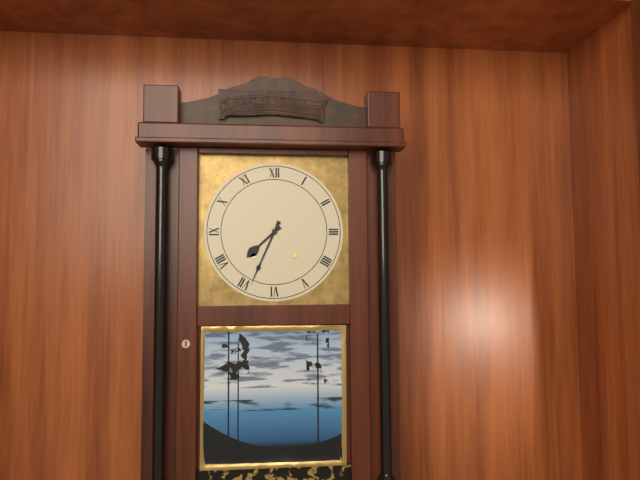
7 h 34 min
